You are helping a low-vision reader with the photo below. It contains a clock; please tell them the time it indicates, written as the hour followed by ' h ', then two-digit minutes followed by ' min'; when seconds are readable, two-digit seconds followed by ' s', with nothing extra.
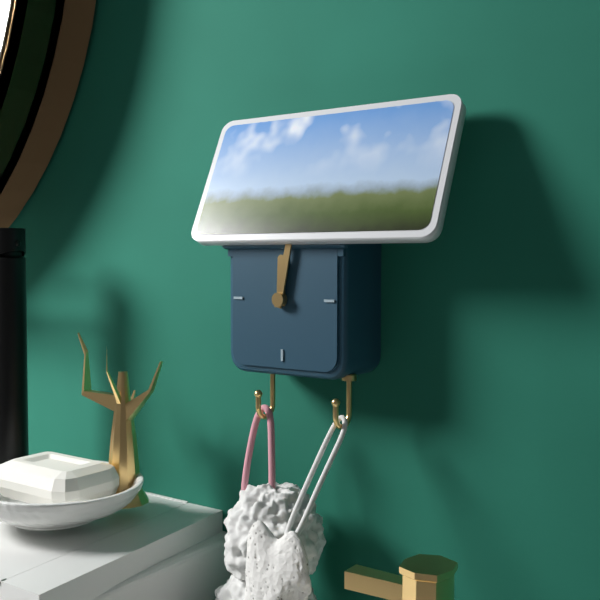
12 h 02 min
